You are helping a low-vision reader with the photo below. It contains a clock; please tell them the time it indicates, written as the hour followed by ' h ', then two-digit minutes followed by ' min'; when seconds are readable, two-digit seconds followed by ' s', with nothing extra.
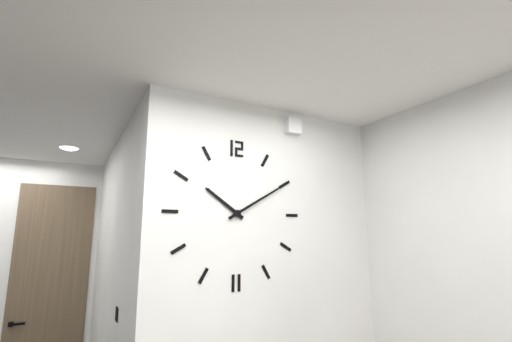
10 h 10 min
